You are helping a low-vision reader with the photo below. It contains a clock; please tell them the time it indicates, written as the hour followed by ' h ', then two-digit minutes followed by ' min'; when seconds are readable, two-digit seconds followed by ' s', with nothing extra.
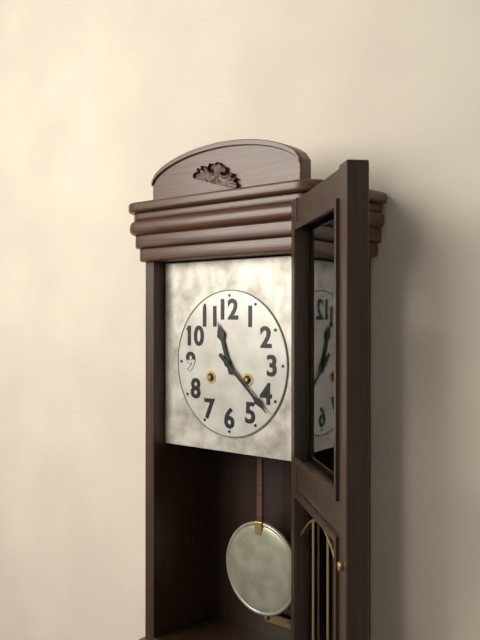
11 h 22 min
